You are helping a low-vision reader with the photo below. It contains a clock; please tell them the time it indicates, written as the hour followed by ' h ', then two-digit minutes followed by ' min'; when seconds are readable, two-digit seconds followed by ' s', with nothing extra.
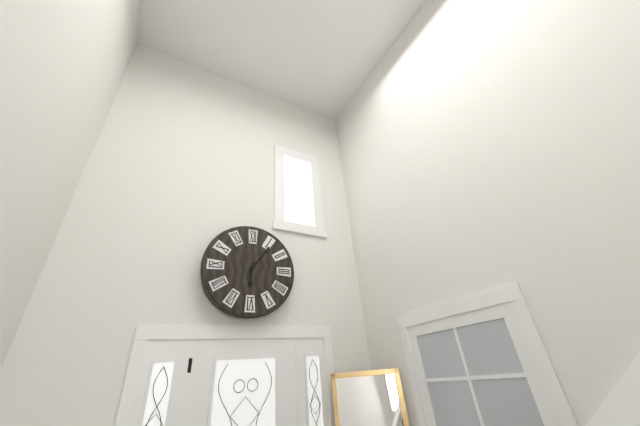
6 h 06 min
